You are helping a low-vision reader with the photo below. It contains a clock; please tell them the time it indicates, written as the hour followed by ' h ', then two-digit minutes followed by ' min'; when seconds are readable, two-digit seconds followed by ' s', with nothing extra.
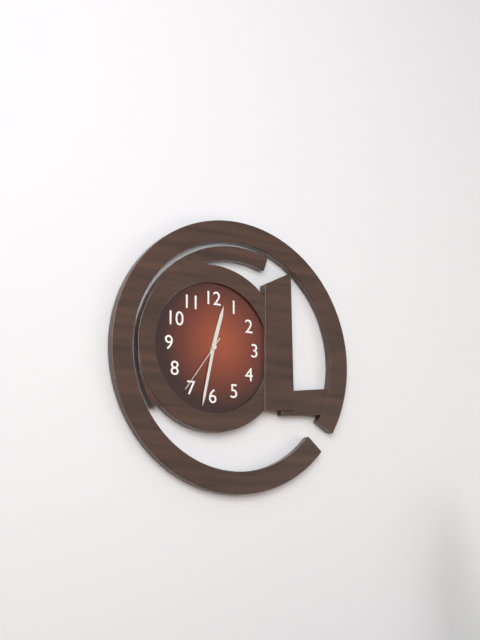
12 h 32 min 36 s
